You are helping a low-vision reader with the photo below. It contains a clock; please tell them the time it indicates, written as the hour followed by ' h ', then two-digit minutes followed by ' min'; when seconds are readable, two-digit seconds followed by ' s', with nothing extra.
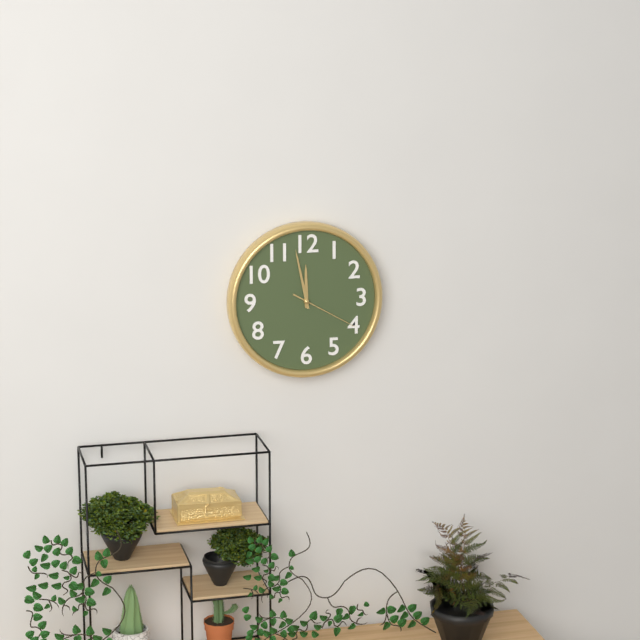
11 h 58 min 20 s
